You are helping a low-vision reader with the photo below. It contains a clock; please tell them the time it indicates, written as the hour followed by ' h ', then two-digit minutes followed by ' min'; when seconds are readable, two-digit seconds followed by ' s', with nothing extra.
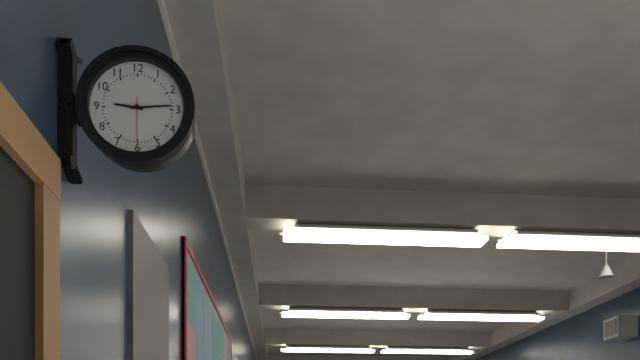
9 h 14 min
